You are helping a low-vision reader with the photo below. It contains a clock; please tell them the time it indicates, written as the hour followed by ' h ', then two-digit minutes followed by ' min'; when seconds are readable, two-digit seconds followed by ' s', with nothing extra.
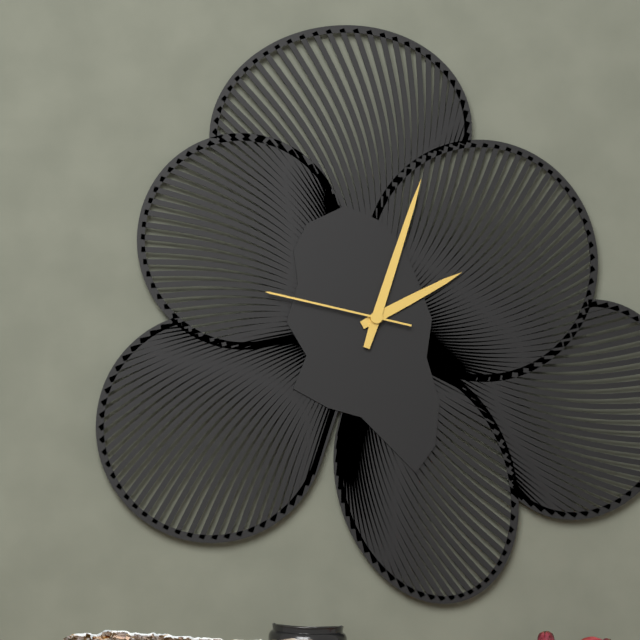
2 h 03 min 47 s
